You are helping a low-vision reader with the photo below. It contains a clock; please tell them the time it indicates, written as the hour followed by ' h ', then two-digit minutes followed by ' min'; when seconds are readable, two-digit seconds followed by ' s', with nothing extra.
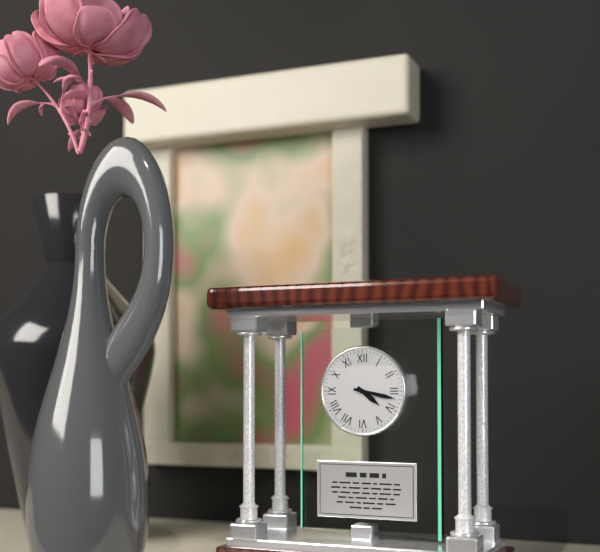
4 h 17 min
